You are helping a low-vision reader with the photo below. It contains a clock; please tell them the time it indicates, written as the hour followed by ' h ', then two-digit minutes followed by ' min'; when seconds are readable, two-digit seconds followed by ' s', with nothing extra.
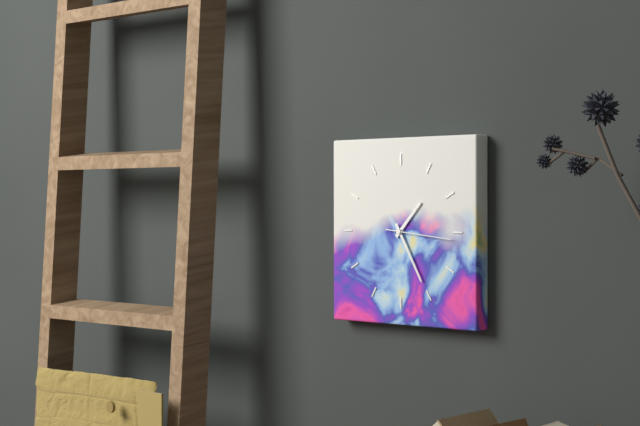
1 h 25 min
